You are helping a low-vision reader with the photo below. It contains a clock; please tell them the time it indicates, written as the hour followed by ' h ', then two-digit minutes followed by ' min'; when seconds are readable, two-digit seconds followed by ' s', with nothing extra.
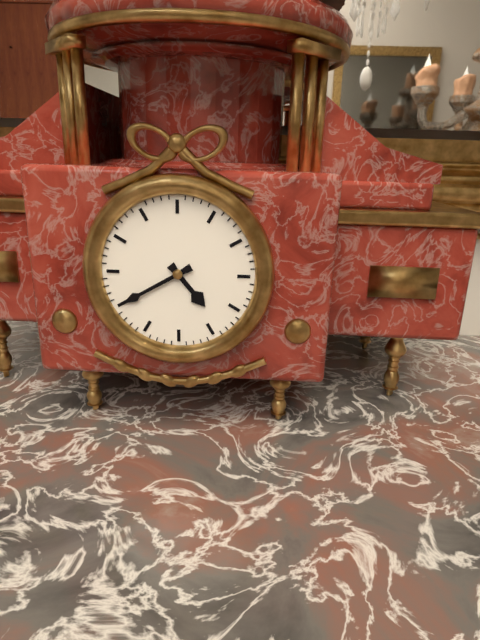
4 h 40 min
